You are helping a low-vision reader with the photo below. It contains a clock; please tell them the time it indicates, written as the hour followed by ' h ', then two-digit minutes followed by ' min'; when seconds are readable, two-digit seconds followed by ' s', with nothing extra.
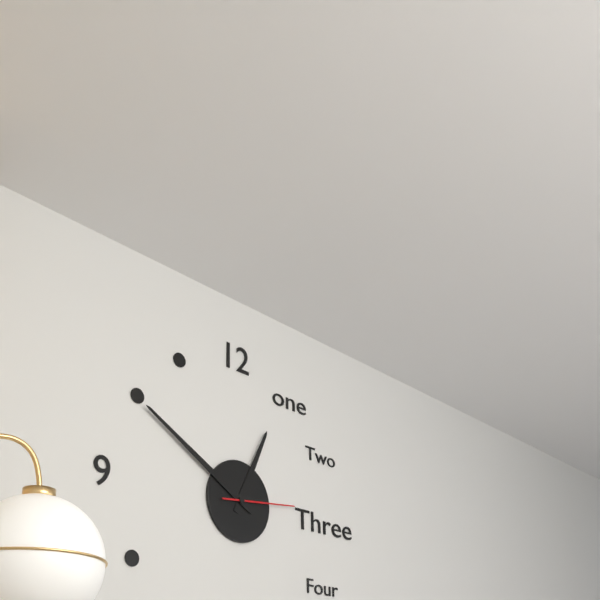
12 h 50 min 14 s
